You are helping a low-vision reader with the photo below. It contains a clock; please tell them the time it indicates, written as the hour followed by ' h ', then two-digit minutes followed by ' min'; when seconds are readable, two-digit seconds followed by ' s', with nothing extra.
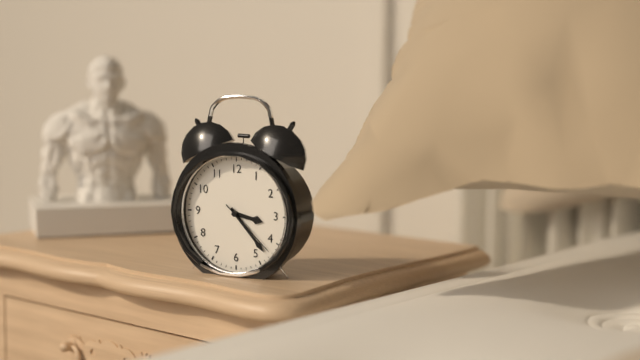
3 h 23 min 22 s
